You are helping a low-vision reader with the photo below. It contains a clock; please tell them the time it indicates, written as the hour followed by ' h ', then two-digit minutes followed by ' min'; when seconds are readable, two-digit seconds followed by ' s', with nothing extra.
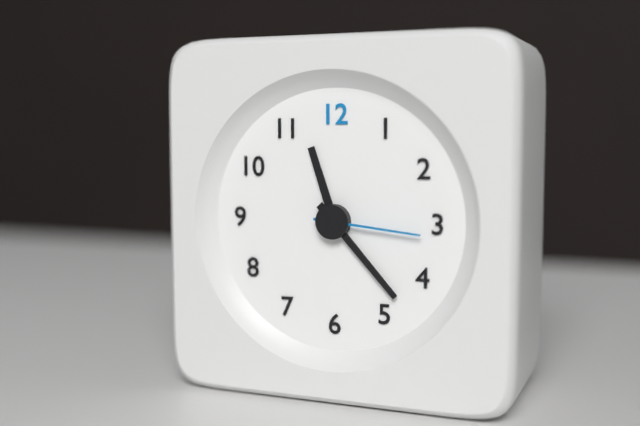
11 h 23 min 16 s
